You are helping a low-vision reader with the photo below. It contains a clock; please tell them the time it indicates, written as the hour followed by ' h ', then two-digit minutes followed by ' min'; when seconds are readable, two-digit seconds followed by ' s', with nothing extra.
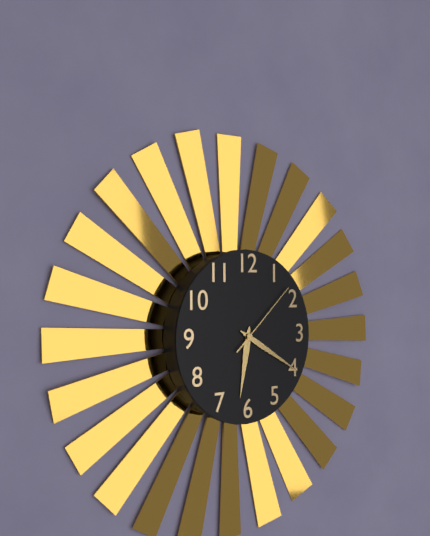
6 h 20 min 08 s
